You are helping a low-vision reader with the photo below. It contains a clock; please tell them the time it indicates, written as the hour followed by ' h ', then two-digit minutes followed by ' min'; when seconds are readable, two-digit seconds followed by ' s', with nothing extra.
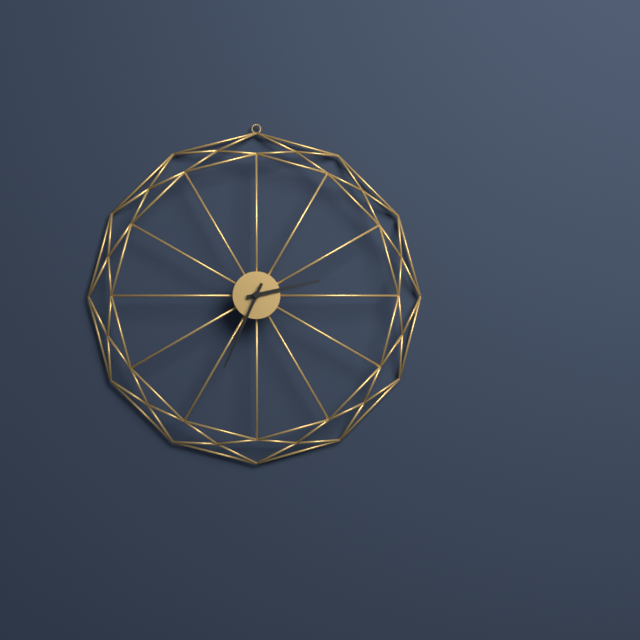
2 h 34 min
